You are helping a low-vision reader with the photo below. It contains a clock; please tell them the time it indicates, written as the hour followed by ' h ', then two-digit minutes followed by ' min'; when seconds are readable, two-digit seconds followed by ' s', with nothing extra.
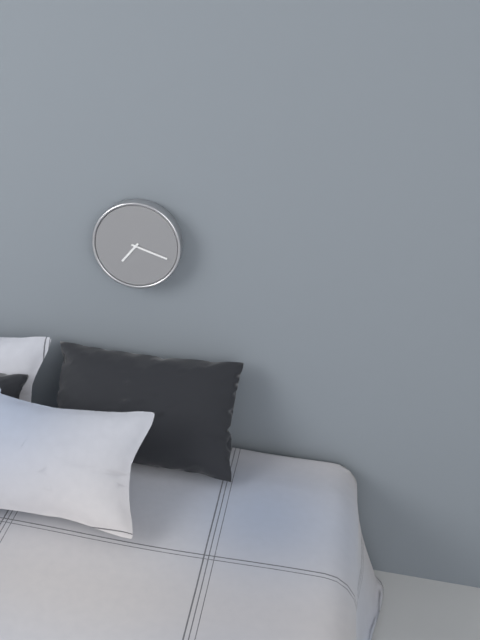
7 h 18 min
